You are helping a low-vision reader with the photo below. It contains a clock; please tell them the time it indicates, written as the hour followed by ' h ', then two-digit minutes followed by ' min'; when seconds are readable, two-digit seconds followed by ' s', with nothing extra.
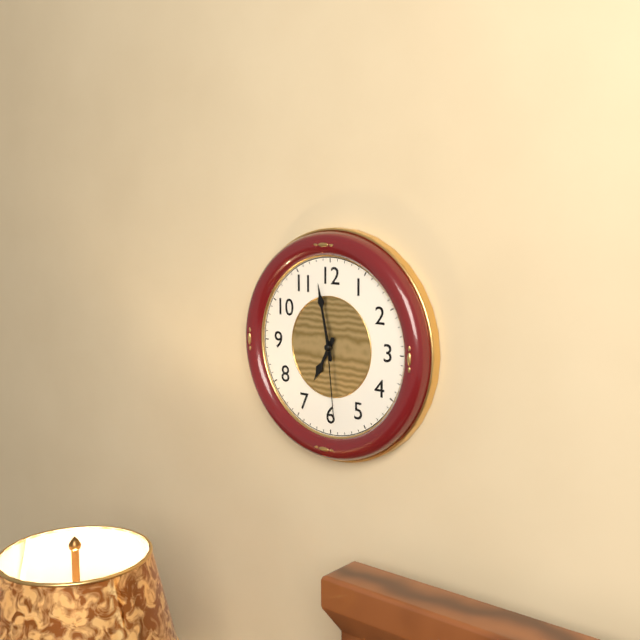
6 h 58 min 29 s
